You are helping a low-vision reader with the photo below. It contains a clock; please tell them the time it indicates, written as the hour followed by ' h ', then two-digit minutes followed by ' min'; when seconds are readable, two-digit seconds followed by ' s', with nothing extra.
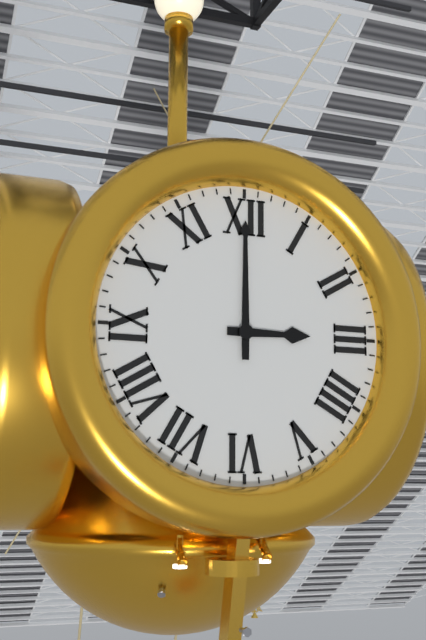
3 h 00 min
